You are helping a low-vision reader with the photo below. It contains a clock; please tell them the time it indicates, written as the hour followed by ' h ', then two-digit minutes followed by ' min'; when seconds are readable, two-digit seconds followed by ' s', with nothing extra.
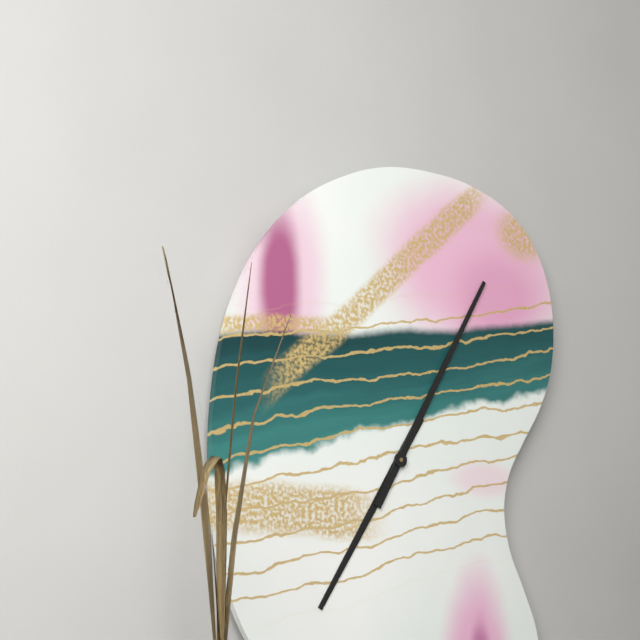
7 h 05 min
